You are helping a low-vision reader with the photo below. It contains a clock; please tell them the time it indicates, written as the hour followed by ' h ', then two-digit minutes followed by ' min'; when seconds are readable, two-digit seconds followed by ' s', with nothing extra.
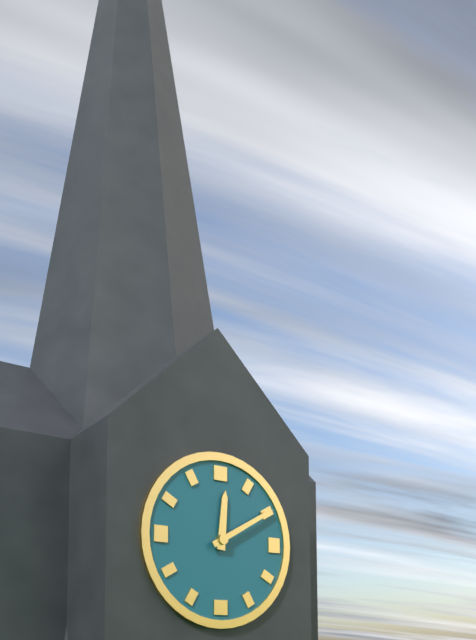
12 h 10 min
